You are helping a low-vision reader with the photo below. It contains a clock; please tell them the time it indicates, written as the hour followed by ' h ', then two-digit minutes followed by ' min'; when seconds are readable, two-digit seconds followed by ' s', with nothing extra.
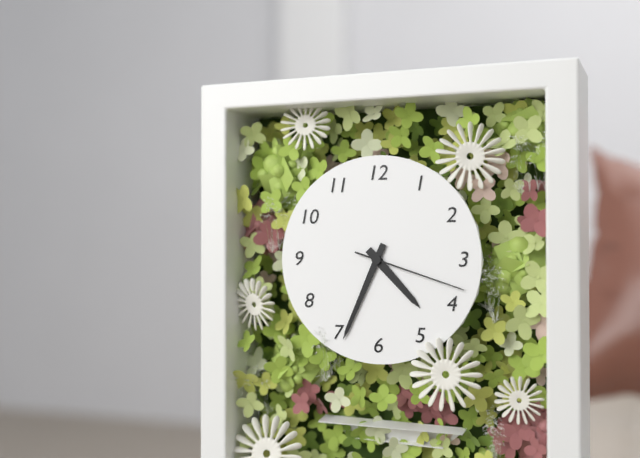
4 h 34 min 18 s
